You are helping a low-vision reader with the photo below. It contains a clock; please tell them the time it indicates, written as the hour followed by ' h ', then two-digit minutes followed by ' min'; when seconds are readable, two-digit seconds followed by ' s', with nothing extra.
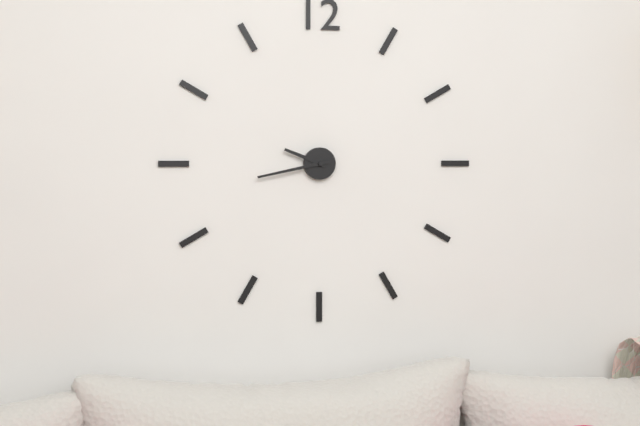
9 h 43 min
